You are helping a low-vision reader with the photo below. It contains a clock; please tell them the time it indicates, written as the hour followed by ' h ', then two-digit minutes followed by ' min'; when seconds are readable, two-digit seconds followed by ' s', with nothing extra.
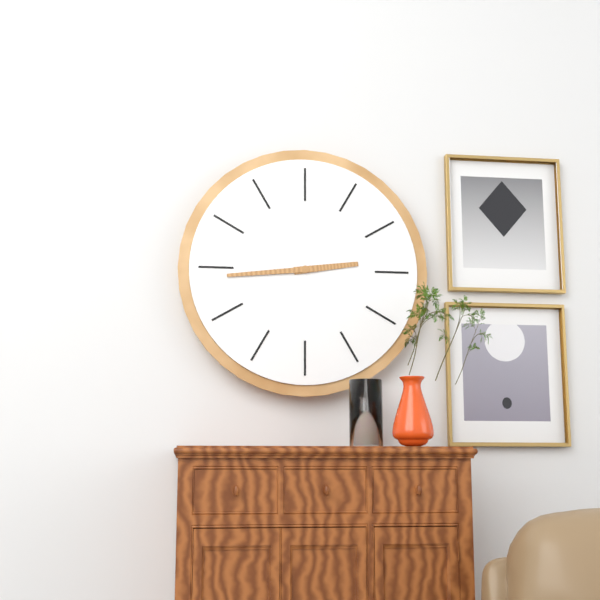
2 h 44 min
